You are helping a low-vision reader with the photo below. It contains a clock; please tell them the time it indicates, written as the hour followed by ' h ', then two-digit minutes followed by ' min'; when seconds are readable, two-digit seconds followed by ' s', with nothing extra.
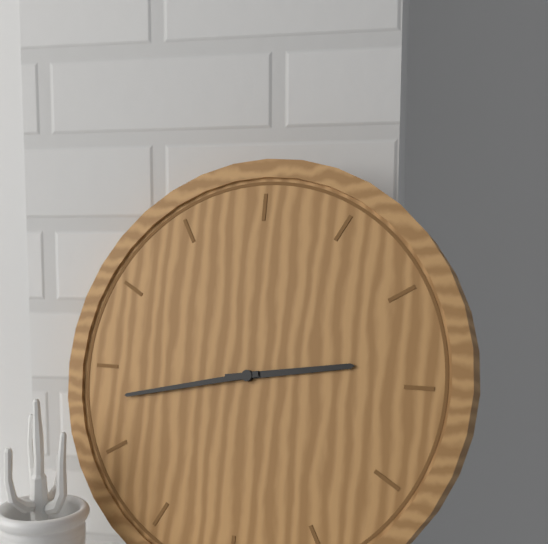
2 h 43 min
